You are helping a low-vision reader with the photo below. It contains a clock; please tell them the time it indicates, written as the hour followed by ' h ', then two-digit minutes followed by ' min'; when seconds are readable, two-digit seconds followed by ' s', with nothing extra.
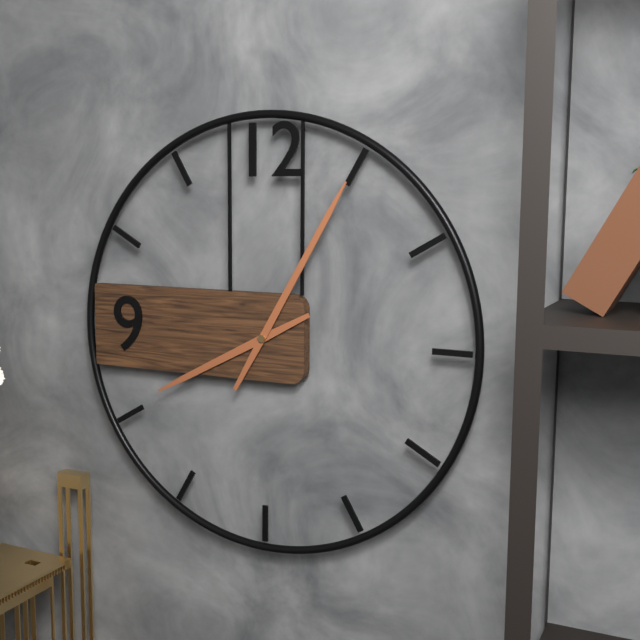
8 h 05 min
